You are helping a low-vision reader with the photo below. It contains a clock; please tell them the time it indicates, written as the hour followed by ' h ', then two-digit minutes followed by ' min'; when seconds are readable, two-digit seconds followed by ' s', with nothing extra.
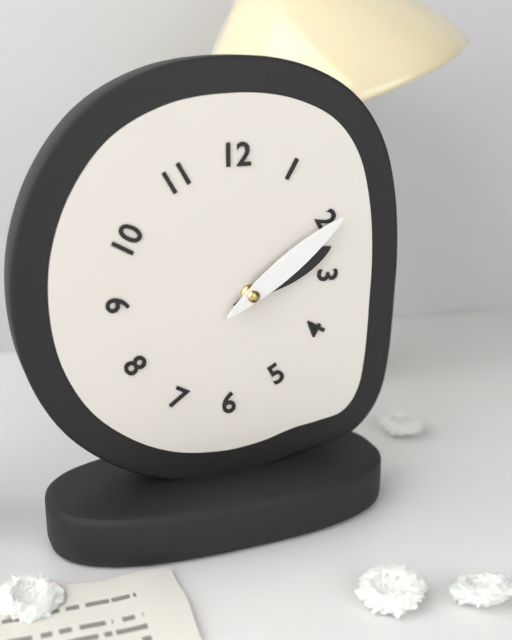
2 h 09 min
